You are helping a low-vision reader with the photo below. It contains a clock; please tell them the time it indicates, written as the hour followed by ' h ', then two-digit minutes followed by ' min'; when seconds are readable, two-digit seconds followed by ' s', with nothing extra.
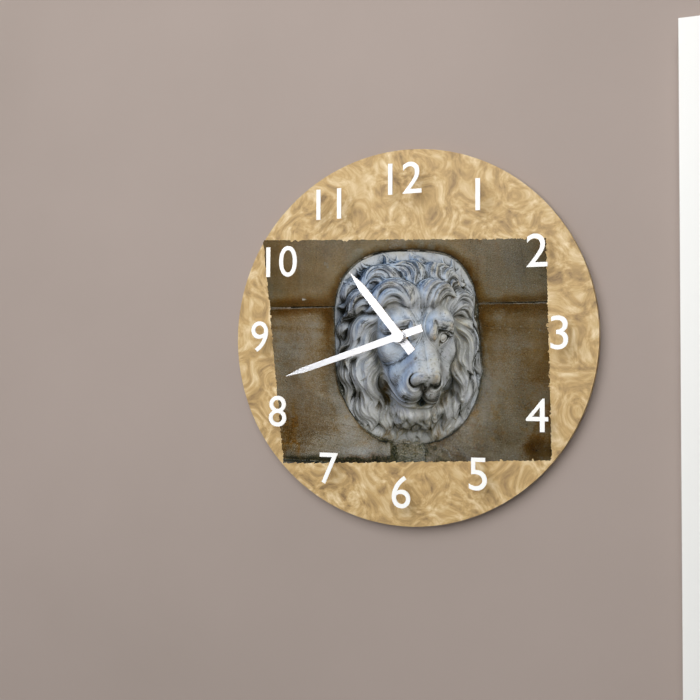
10 h 42 min
